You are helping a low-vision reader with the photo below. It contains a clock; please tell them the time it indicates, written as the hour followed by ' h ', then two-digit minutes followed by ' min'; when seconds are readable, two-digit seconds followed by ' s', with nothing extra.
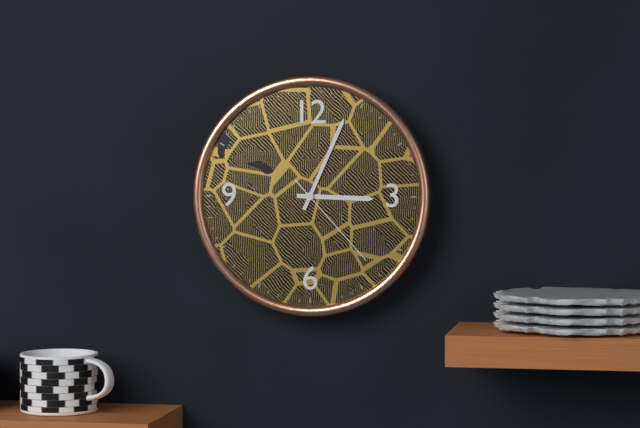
3 h 04 min 23 s
